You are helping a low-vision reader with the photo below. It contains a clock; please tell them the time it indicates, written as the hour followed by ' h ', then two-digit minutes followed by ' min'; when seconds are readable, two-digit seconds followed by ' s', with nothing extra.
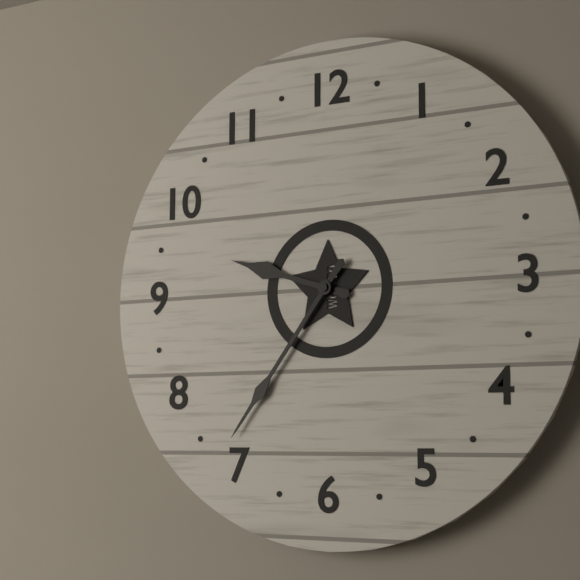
9 h 36 min
